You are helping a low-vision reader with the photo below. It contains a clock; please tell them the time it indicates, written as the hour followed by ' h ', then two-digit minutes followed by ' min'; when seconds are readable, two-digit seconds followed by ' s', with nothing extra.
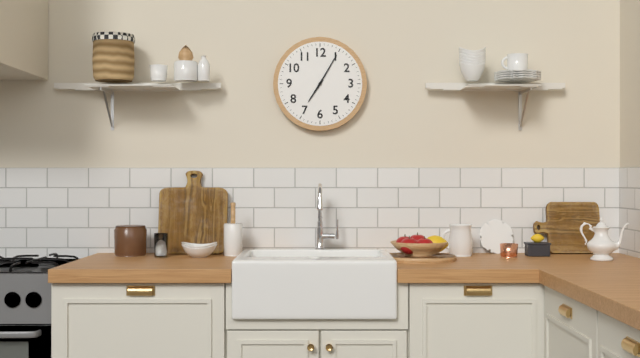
7 h 05 min
